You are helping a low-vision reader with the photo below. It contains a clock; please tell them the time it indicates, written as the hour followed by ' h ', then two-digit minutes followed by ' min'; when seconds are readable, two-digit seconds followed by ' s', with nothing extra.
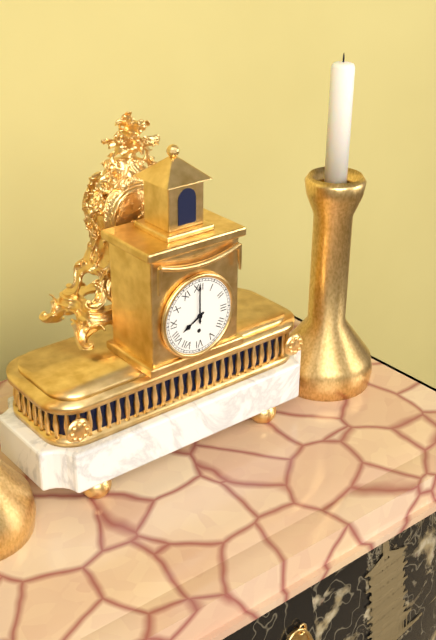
8 h 00 min
